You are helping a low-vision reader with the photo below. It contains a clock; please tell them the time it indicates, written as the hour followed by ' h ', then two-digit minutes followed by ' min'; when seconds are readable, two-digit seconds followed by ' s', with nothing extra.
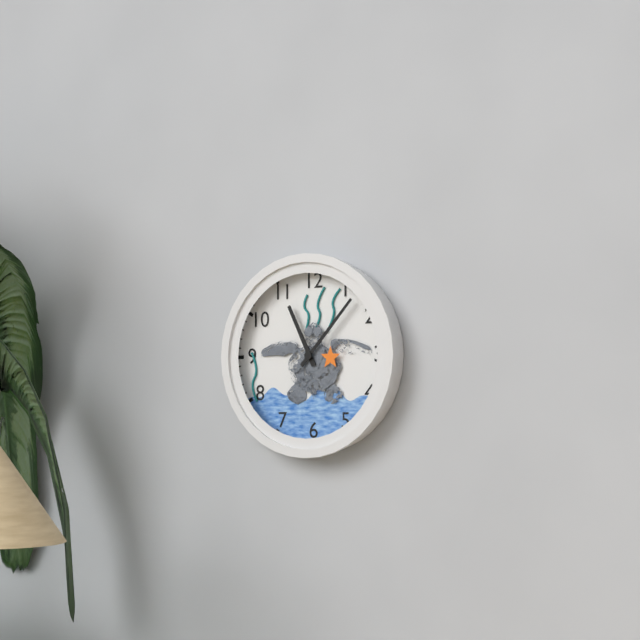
11 h 07 min
